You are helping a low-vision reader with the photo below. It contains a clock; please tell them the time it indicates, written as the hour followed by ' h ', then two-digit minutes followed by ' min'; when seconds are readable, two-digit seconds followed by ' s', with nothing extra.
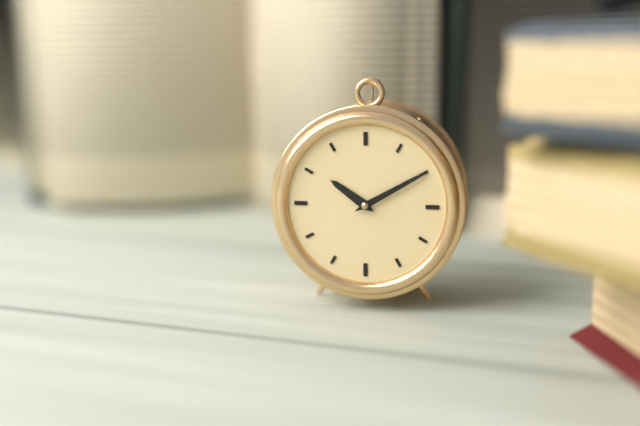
10 h 10 min
